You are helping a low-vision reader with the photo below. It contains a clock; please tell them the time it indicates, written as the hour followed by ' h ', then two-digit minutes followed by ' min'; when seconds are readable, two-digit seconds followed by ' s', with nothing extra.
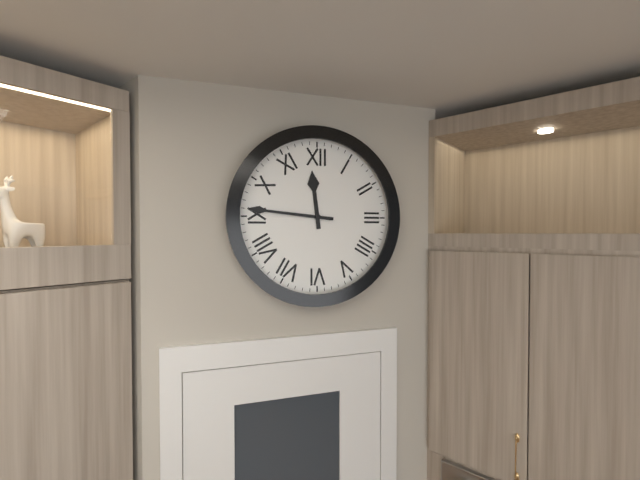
11 h 46 min
